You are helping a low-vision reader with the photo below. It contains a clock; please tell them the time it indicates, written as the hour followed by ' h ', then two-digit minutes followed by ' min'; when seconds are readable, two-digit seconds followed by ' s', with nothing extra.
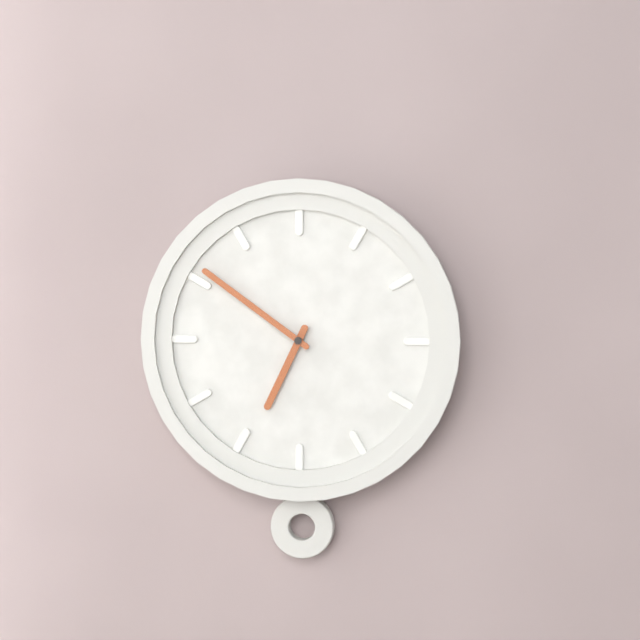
6 h 51 min
